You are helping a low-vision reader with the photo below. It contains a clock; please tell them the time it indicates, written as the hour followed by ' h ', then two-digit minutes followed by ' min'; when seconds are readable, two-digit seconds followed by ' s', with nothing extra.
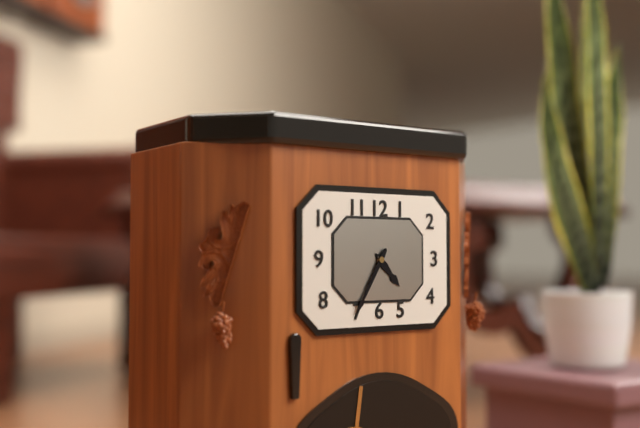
4 h 35 min
